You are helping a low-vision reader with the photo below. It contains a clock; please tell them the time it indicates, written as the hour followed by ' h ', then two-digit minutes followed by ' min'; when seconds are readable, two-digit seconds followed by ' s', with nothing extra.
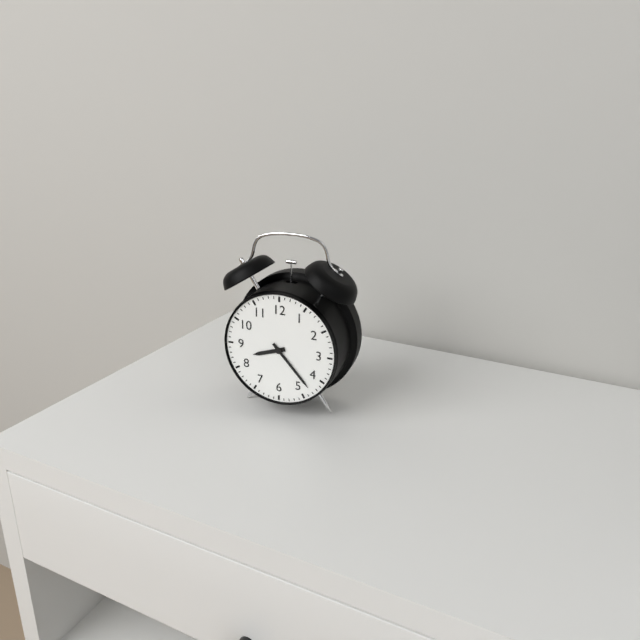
8 h 23 min
